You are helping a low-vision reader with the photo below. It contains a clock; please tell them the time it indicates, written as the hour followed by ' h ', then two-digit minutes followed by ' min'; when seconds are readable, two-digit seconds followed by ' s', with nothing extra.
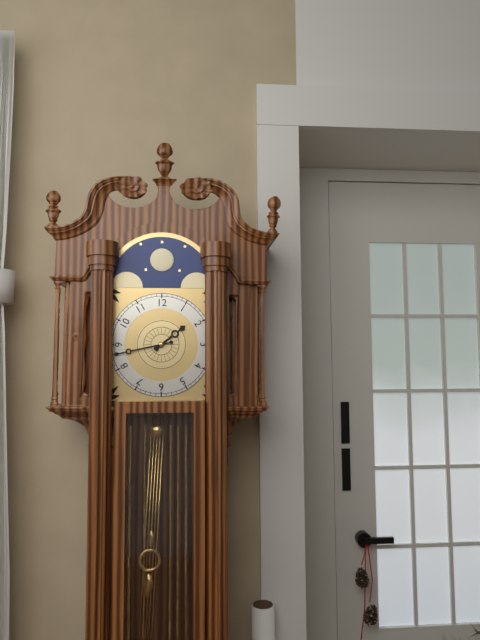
1 h 43 min
